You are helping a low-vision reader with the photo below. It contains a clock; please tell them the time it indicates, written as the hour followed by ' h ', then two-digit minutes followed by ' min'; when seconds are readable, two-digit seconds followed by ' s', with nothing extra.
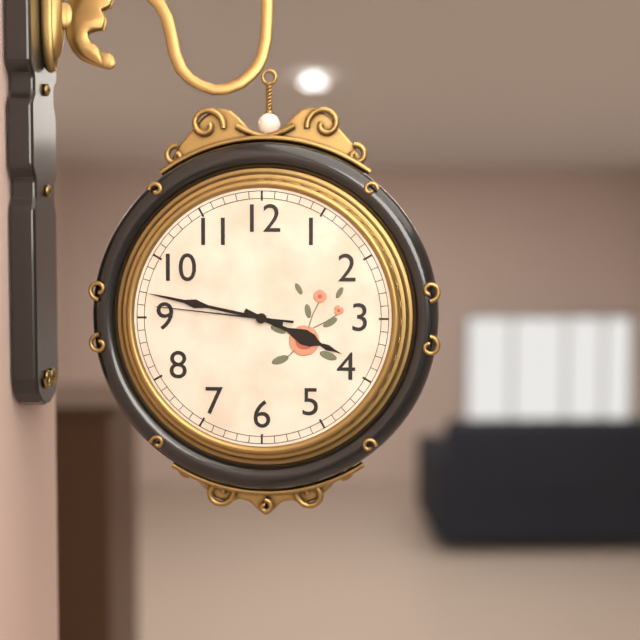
3 h 47 min 46 s
